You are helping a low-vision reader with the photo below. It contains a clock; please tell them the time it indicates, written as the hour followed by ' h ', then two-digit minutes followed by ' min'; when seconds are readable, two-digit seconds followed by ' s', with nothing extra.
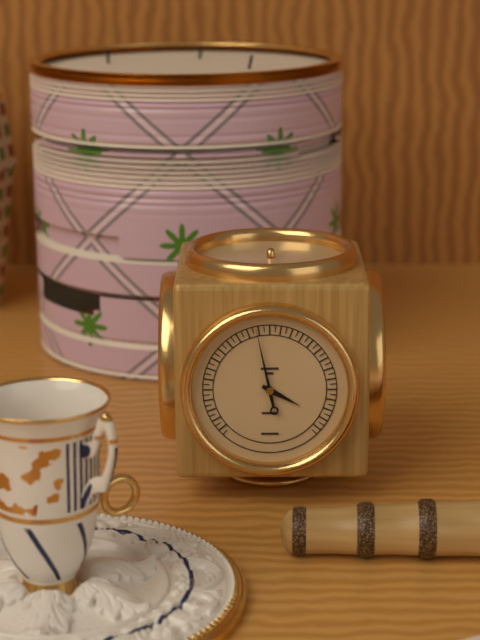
3 h 58 min
